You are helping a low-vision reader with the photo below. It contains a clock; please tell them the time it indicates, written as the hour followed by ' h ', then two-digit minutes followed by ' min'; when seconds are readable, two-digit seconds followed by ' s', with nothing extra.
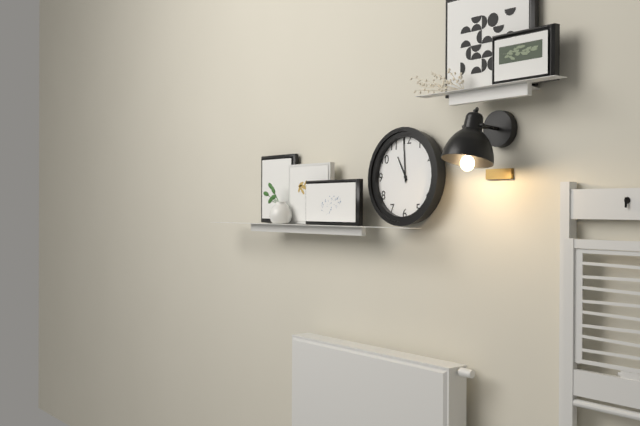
10 h 59 min
